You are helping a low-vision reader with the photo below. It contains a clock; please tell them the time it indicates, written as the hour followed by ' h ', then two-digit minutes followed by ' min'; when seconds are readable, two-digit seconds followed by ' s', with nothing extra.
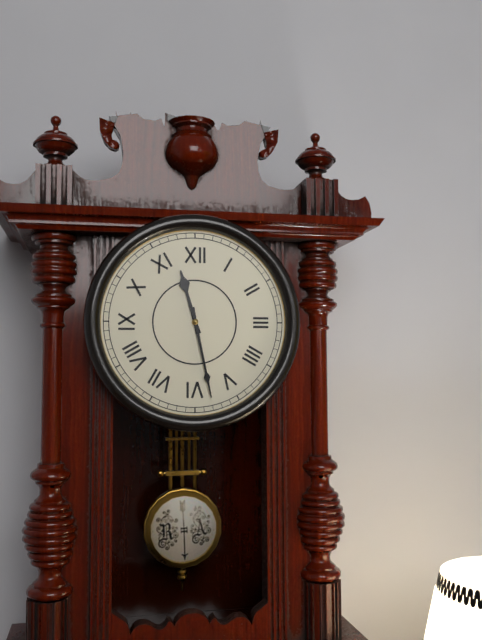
11 h 28 min
